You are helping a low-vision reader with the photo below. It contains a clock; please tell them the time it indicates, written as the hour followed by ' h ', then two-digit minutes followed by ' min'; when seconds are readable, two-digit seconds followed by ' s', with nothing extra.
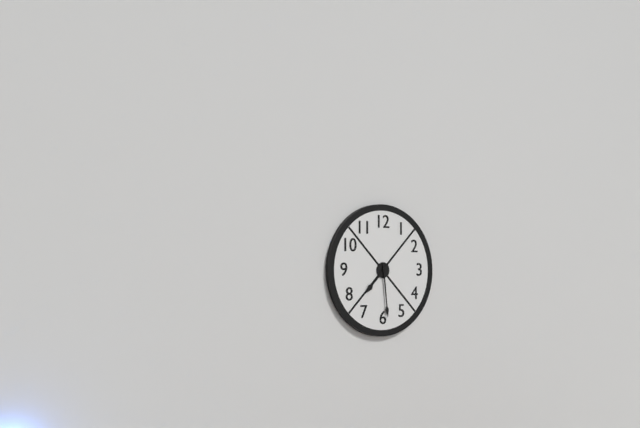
7 h 29 min
